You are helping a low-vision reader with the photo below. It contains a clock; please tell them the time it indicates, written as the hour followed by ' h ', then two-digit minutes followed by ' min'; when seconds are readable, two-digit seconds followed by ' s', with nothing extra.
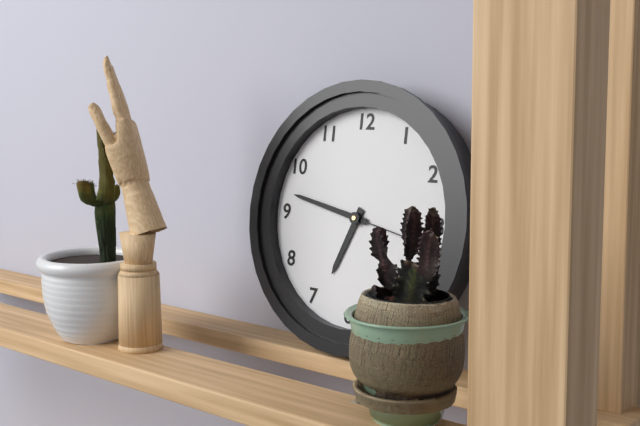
6 h 47 min
